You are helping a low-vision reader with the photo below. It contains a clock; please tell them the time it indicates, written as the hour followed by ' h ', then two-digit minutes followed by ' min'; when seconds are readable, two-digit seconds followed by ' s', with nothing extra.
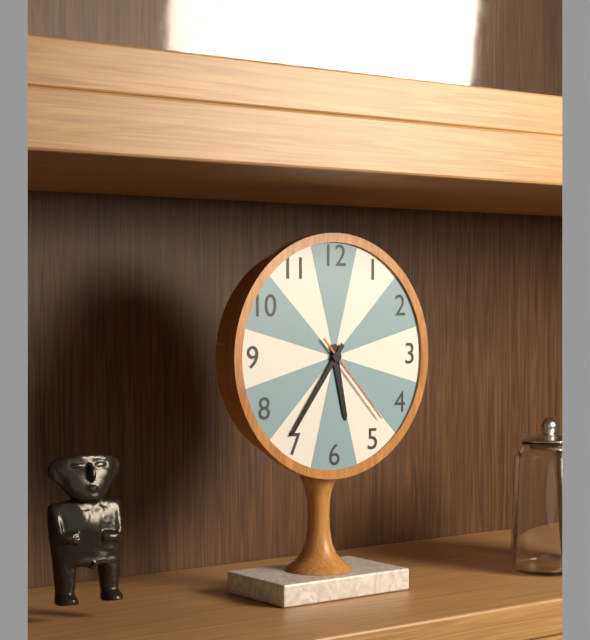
5 h 36 min 23 s
